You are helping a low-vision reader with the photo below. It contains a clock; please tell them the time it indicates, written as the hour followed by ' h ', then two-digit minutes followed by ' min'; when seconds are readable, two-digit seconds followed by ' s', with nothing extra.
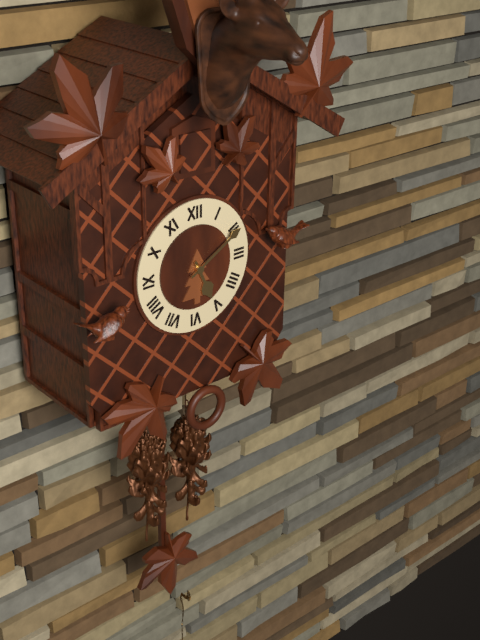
5 h 10 min
